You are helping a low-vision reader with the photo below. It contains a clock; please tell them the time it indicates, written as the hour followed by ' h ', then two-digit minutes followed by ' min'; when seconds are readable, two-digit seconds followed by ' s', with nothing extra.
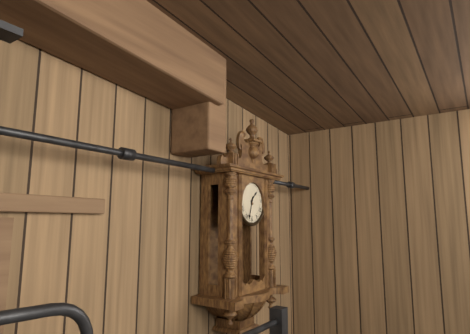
1 h 33 min
